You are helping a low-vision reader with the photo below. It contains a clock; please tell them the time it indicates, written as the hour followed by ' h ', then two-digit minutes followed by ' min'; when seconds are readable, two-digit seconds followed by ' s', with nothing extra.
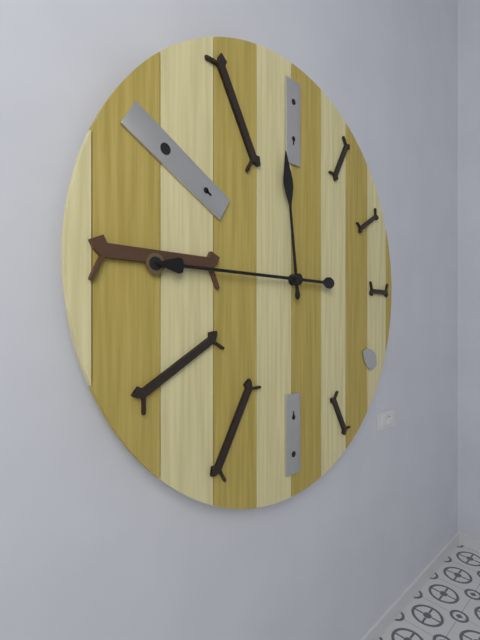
11 h 45 min
